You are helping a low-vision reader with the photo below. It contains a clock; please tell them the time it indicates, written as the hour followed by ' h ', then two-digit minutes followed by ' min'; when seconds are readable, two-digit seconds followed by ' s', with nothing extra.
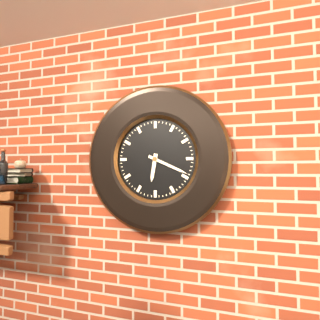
6 h 19 min
